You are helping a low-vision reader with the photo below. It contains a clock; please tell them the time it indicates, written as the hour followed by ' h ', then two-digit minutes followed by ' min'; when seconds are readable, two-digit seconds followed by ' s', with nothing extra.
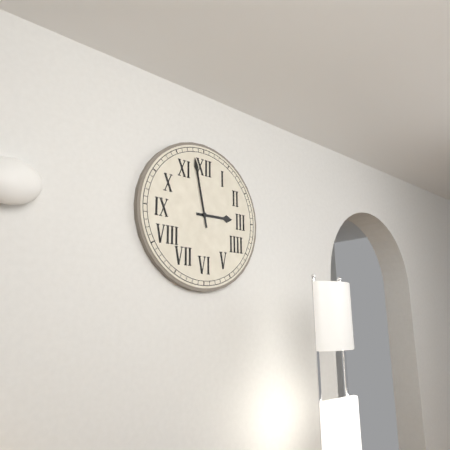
2 h 58 min
